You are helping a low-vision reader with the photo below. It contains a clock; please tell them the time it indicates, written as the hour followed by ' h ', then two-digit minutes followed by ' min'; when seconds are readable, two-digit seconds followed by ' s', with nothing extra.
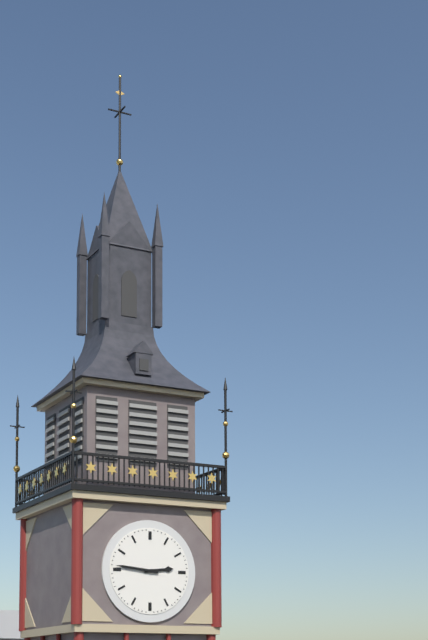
2 h 46 min
